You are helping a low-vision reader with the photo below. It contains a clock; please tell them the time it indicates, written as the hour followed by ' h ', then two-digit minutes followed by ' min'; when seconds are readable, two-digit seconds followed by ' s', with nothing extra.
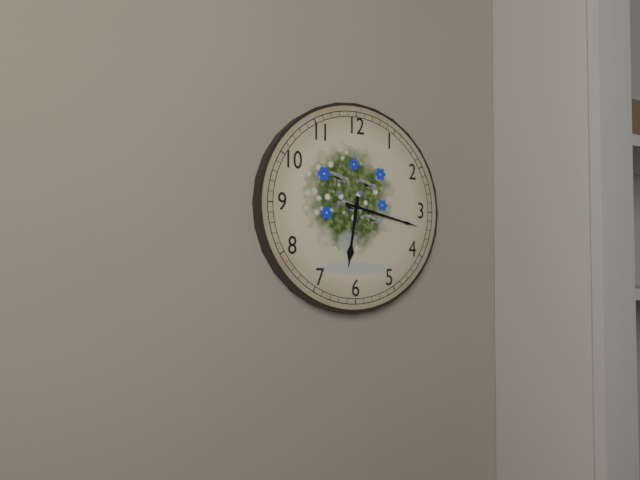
6 h 17 min
